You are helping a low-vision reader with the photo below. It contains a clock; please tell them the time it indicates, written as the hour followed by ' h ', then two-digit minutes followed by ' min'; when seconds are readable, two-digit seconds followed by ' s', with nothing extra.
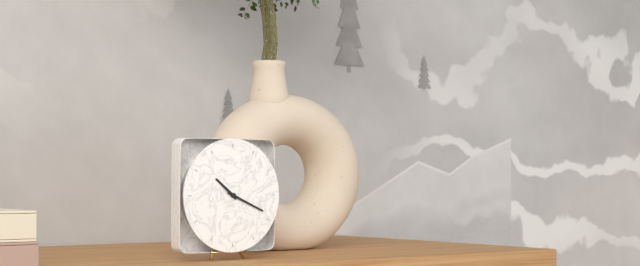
10 h 19 min
